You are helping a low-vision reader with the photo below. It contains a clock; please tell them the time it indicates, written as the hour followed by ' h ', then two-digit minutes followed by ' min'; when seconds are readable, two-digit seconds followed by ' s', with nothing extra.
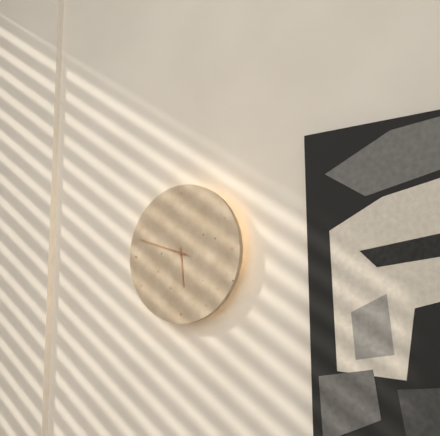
5 h 48 min 48 s
